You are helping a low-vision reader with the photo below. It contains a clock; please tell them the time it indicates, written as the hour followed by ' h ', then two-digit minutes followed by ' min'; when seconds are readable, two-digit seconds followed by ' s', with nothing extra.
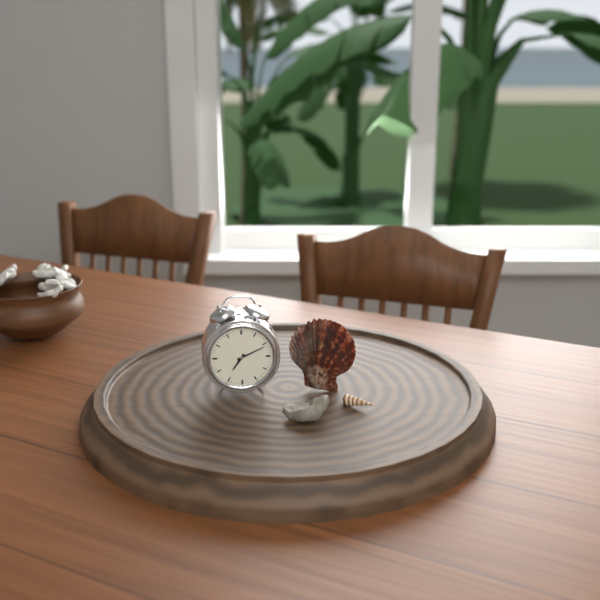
7 h 11 min
